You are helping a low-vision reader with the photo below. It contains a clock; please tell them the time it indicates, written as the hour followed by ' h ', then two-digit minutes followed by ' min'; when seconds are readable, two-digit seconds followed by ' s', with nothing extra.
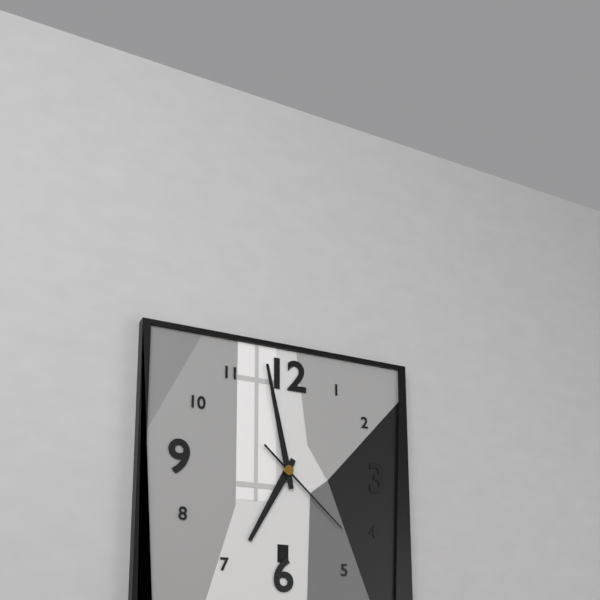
6 h 58 min 22 s
